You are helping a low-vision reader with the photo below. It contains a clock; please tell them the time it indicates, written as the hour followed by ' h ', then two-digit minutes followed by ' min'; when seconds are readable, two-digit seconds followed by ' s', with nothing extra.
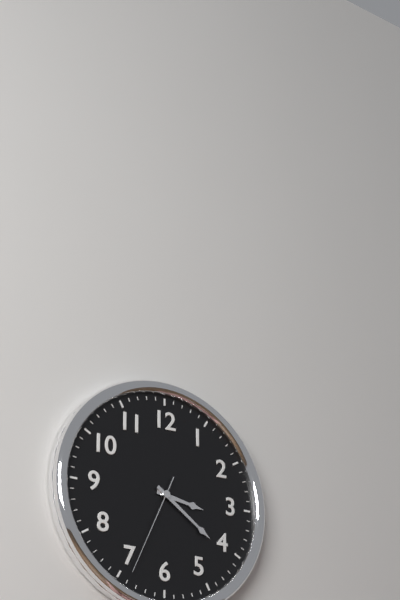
3 h 21 min 34 s
